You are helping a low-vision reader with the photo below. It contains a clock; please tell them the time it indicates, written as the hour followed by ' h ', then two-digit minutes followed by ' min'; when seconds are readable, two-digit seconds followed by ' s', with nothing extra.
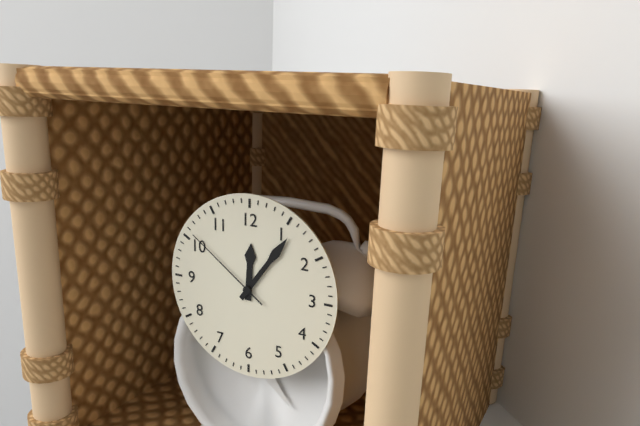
12 h 06 min 51 s
